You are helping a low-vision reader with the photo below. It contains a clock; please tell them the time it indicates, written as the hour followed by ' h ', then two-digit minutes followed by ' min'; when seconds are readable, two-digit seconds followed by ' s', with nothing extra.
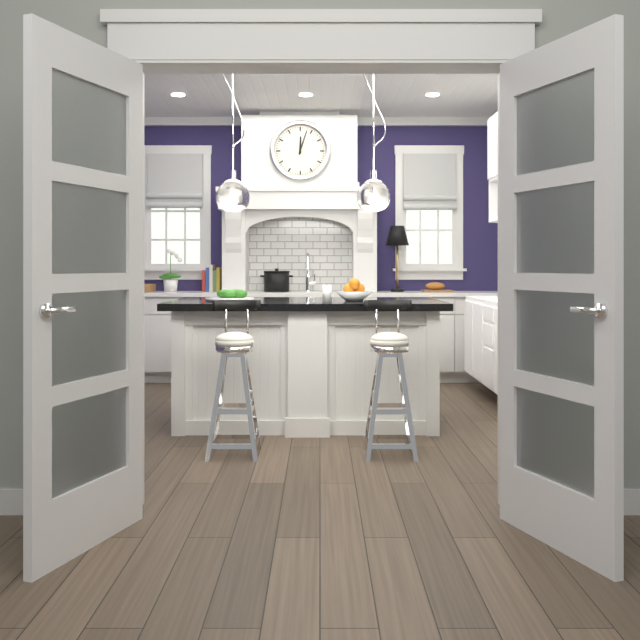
12 h 03 min
